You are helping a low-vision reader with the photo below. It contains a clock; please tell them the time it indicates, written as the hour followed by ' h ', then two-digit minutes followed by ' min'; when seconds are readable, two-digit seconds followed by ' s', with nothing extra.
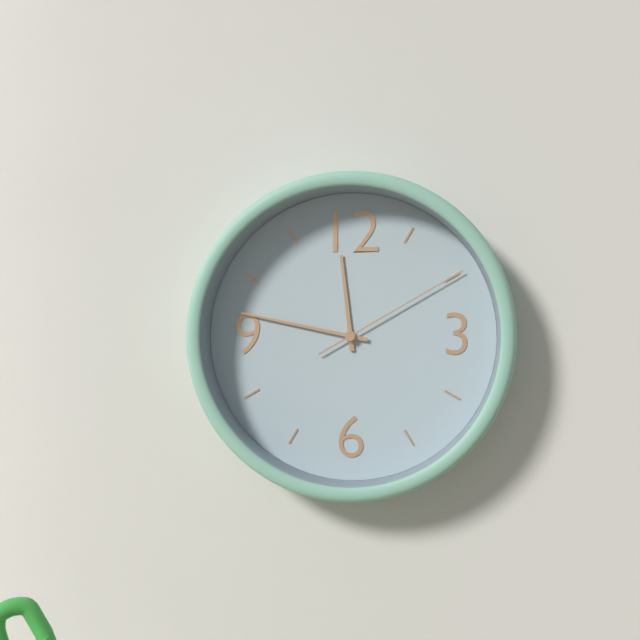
11 h 47 min 10 s
